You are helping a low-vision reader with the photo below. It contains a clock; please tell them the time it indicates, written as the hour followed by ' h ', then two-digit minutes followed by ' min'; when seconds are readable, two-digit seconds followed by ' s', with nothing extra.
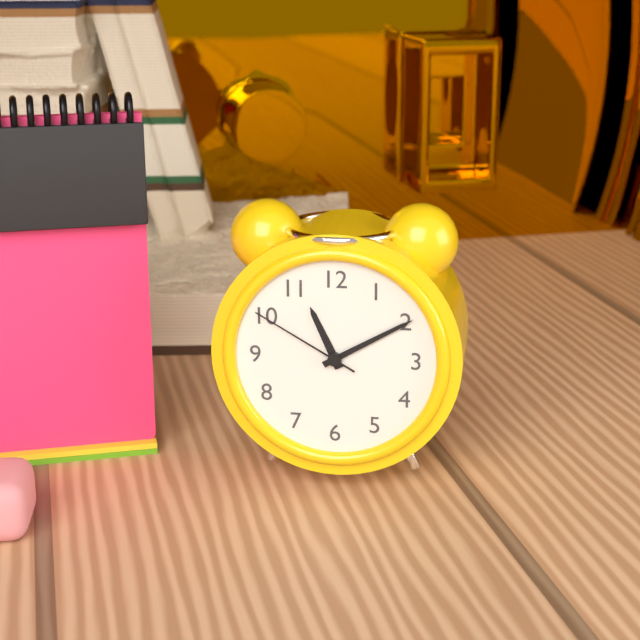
11 h 10 min 50 s
